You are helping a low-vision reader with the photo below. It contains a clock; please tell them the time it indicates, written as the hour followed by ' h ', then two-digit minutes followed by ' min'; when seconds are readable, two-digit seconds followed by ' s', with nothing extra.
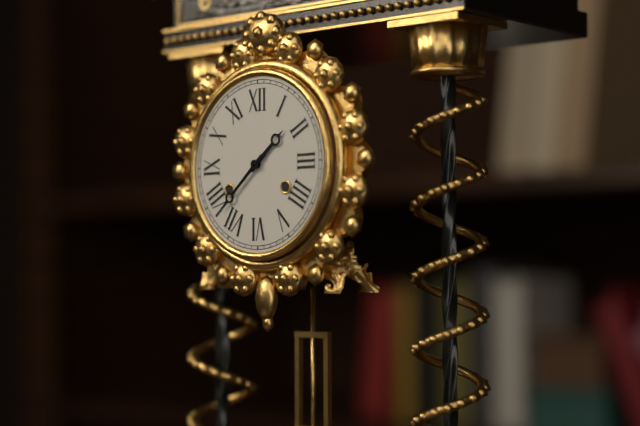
1 h 38 min
